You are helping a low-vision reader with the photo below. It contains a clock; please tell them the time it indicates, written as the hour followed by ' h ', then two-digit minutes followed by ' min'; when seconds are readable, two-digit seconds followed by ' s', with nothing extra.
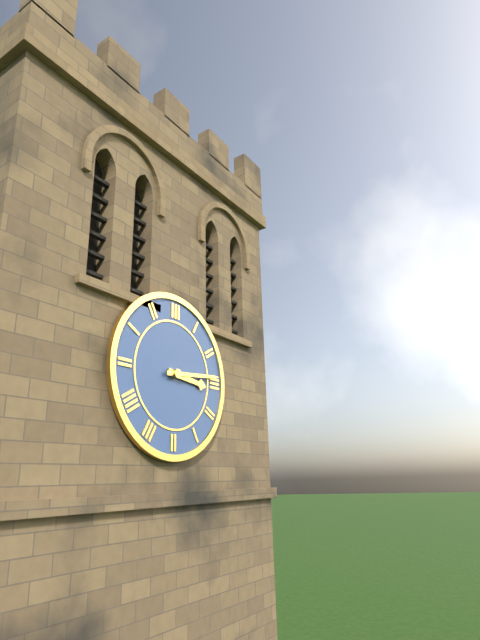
3 h 14 min
